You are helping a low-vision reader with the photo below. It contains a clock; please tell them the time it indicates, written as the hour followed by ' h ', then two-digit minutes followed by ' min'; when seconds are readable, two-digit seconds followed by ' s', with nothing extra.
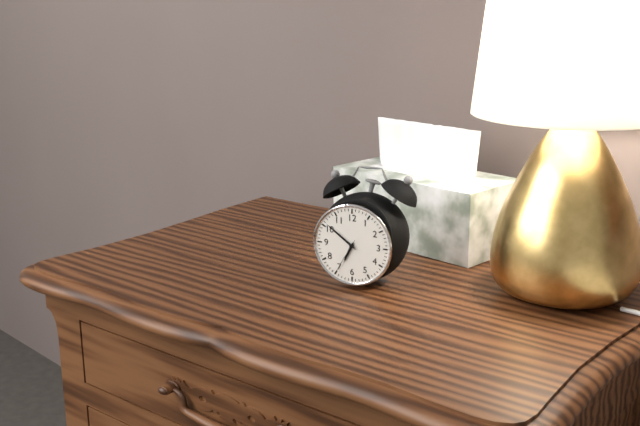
6 h 51 min
